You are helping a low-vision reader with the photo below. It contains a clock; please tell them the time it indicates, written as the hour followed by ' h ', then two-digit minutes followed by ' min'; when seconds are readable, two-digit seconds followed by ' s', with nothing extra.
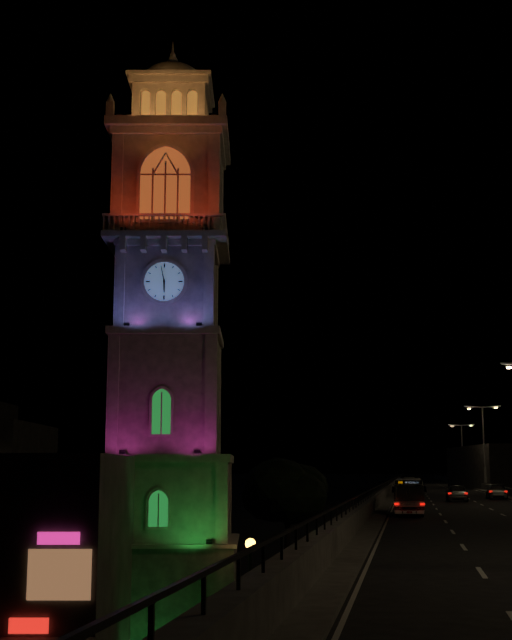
5 h 58 min
